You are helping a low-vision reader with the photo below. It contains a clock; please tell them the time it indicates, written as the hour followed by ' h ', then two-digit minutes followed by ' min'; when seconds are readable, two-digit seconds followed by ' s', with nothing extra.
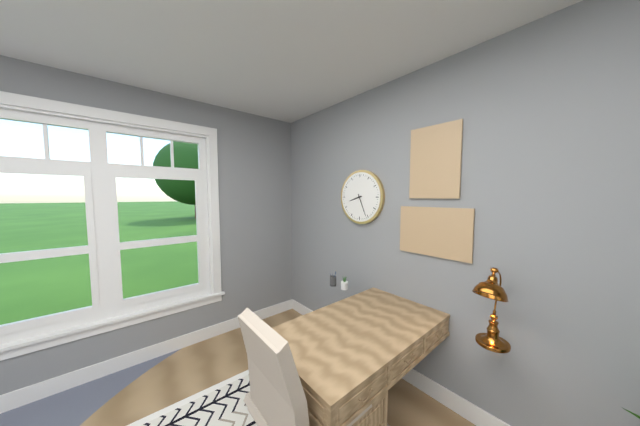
8 h 26 min
